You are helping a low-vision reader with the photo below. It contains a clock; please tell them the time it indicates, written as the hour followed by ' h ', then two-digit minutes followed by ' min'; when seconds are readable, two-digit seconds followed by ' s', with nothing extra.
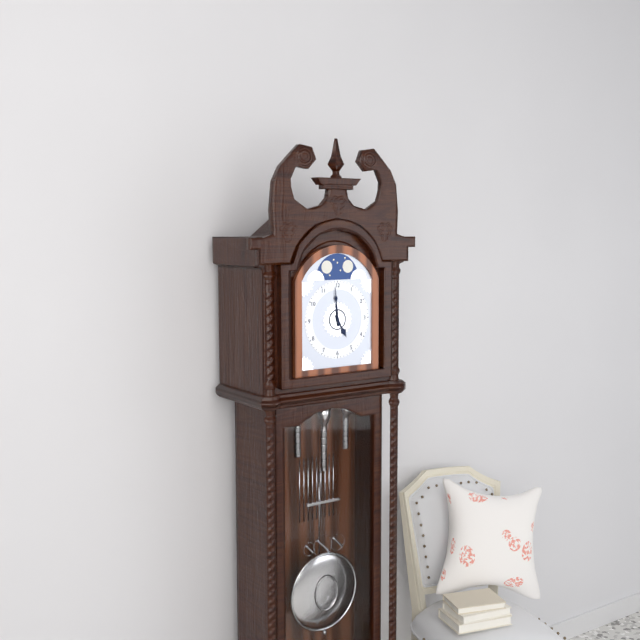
4 h 59 min
